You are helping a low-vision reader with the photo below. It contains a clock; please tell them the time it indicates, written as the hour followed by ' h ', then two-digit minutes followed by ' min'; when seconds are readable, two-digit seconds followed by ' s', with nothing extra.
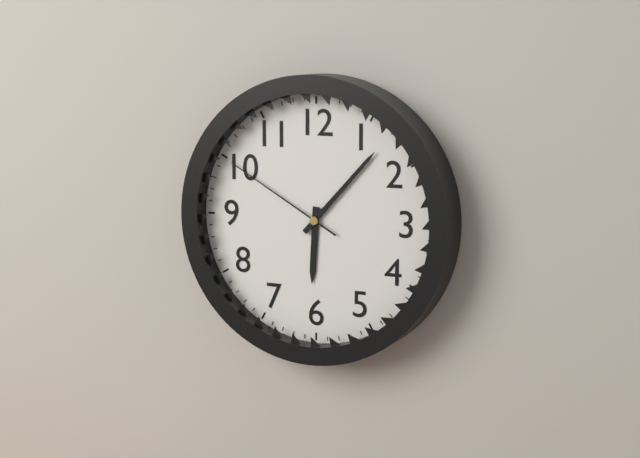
6 h 07 min 50 s
